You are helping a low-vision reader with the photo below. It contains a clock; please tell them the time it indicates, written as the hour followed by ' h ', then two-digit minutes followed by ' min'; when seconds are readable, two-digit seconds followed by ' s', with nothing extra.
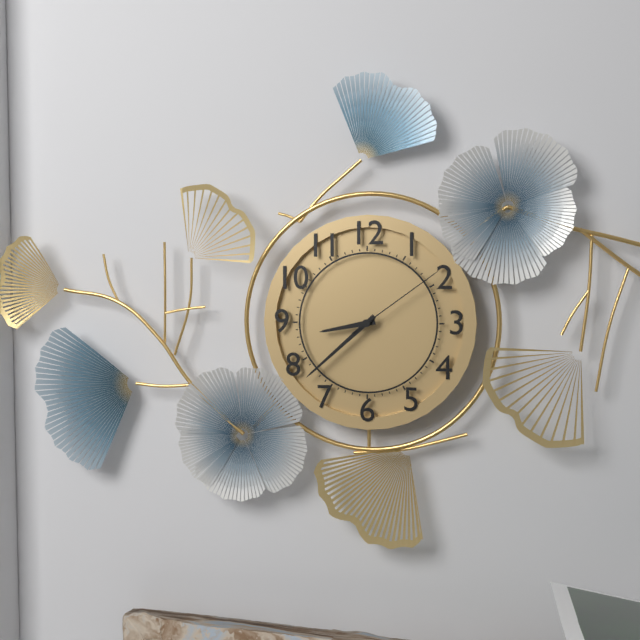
8 h 38 min 09 s
